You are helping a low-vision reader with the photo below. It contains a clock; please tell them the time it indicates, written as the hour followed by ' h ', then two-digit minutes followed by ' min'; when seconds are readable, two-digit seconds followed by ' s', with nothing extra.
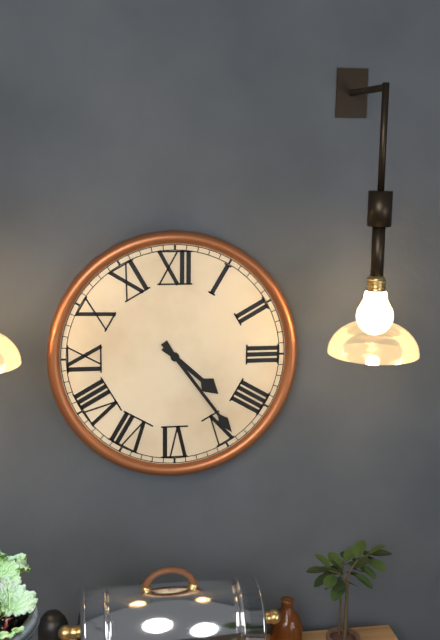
4 h 24 min
